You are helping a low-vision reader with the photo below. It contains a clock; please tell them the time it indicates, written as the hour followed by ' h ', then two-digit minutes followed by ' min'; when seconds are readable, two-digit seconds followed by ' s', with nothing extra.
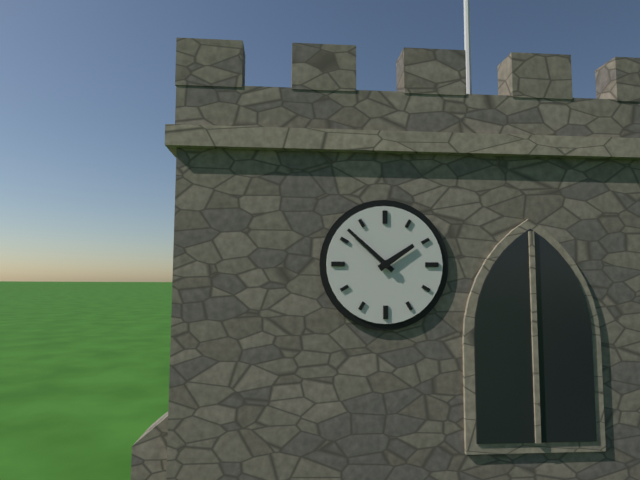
1 h 52 min
